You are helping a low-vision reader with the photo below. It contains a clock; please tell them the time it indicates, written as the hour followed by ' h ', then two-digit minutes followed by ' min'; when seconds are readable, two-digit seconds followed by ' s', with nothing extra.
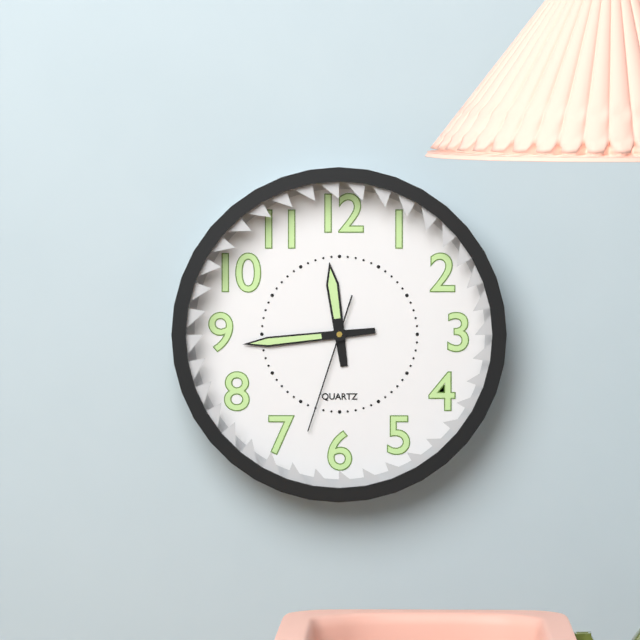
11 h 44 min 33 s
